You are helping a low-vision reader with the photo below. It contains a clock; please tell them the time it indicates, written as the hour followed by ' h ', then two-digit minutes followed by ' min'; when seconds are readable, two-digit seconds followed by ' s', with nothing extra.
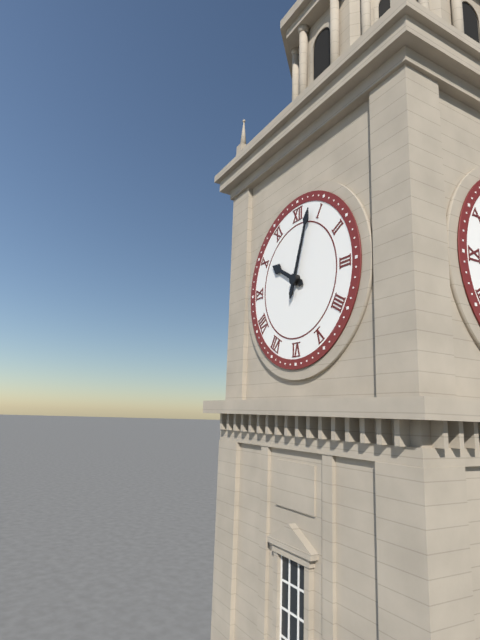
10 h 03 min
